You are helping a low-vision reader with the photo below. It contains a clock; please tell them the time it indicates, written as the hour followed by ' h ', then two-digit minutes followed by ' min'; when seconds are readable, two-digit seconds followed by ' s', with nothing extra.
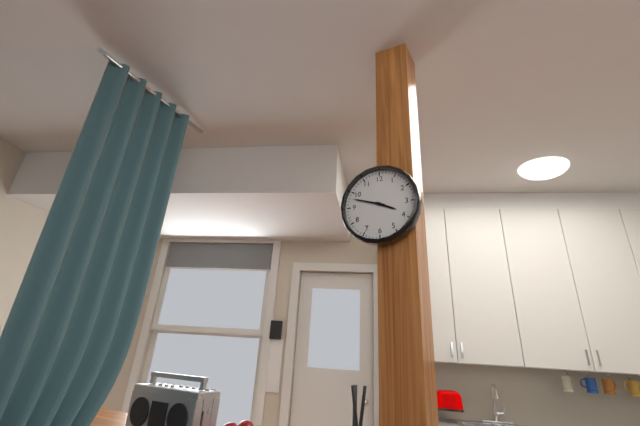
3 h 48 min
